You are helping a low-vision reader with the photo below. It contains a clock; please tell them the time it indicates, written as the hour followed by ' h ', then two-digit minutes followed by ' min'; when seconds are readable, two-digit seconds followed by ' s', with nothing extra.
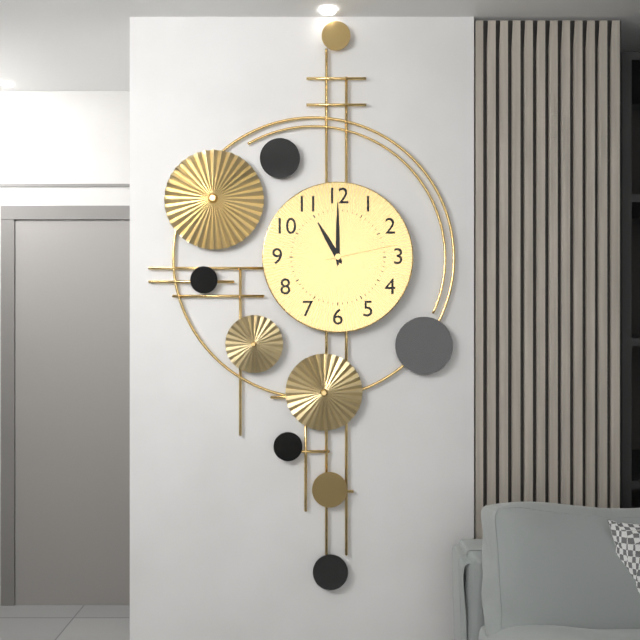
11 h 00 min 13 s
